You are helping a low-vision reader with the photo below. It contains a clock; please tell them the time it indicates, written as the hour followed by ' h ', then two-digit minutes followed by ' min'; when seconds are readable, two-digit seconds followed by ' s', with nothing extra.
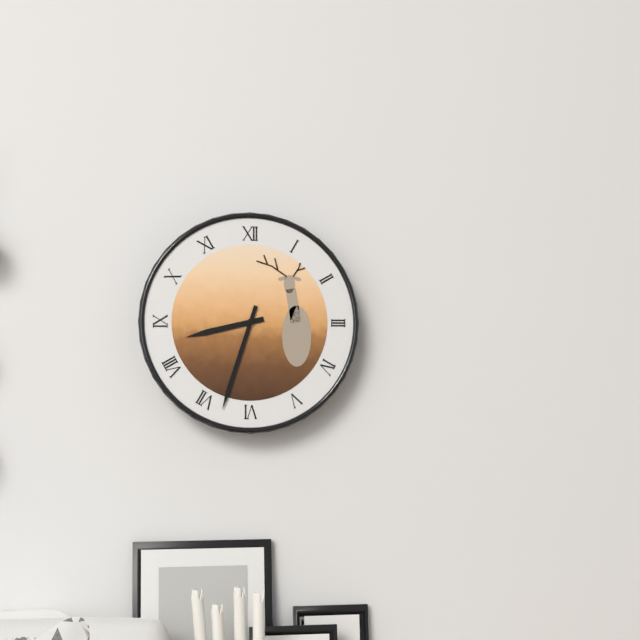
8 h 33 min
